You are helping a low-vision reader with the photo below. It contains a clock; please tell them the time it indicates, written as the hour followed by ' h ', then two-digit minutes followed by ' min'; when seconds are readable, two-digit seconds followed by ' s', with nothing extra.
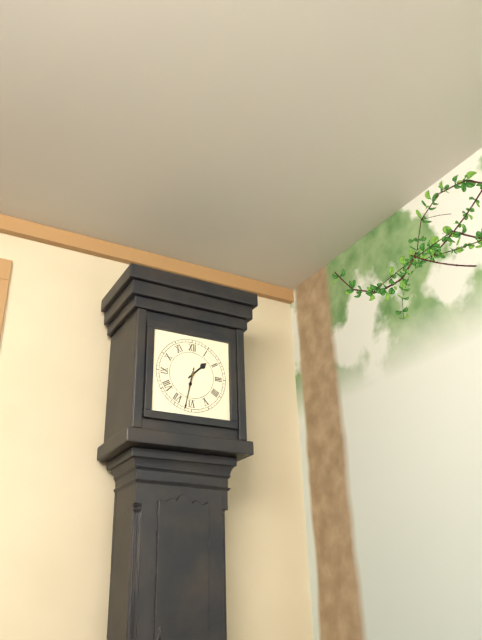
1 h 32 min
